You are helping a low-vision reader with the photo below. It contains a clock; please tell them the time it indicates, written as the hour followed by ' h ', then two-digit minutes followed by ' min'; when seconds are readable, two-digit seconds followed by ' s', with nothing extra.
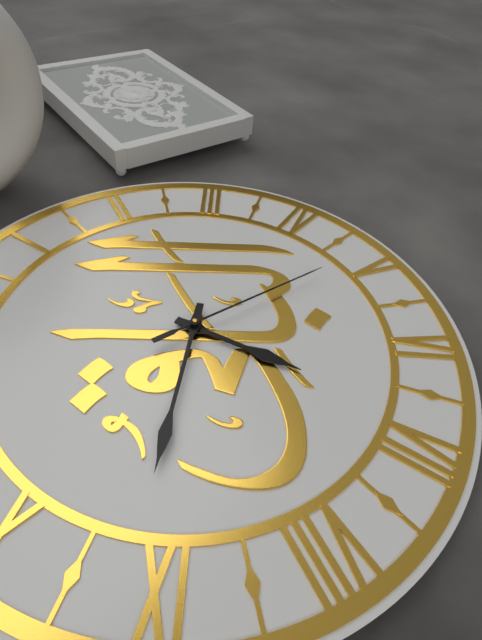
6 h 46 min 24 s
